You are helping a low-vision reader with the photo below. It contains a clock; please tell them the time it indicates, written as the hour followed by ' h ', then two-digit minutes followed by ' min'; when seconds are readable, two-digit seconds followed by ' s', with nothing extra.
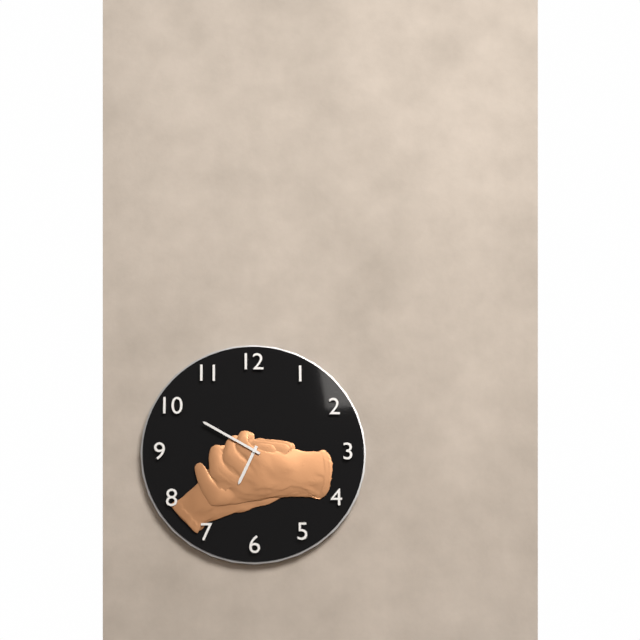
6 h 50 min
